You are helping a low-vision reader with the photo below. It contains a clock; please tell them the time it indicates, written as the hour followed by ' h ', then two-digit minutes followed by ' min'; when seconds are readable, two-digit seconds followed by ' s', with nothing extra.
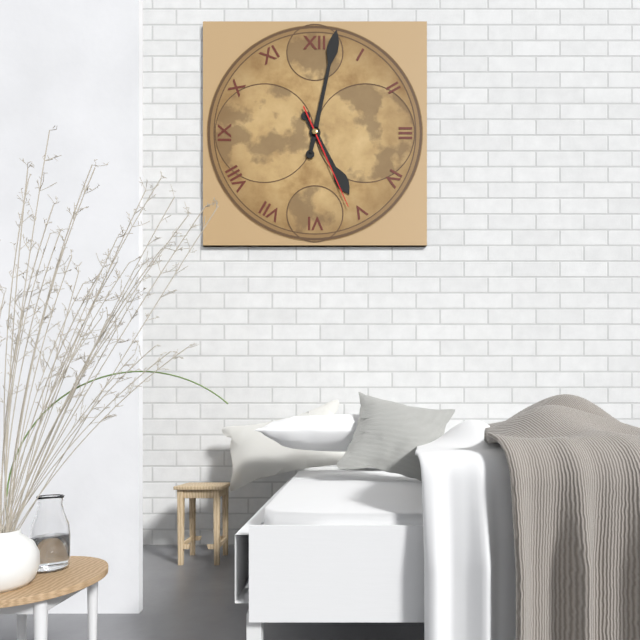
5 h 02 min 26 s
